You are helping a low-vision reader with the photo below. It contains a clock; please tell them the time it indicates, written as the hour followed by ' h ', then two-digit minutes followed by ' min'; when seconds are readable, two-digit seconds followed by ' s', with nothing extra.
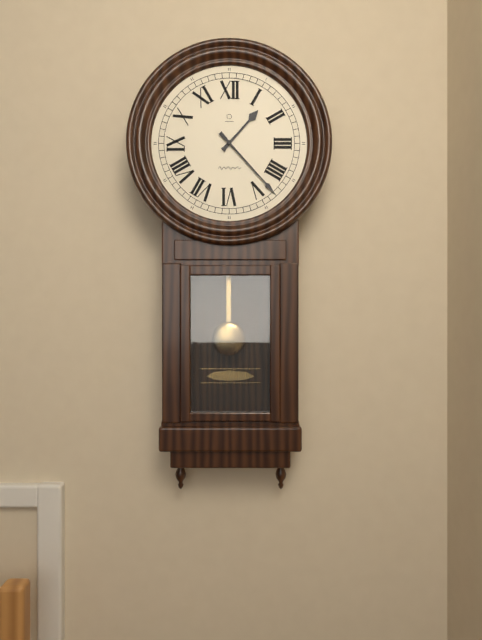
1 h 23 min
